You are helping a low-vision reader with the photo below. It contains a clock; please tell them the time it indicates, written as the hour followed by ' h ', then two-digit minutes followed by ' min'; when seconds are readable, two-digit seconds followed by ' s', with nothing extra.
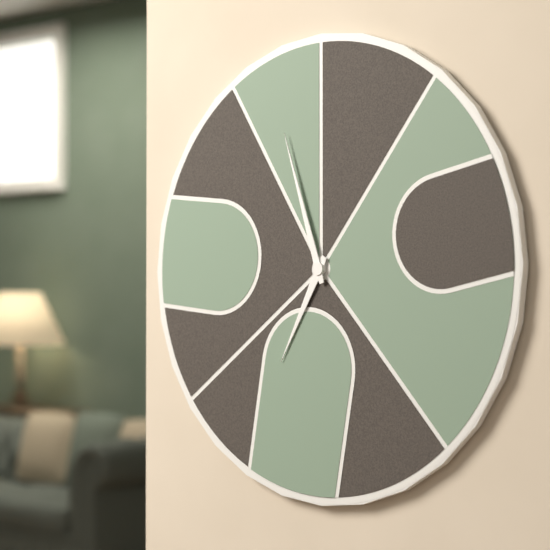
6 h 57 min
